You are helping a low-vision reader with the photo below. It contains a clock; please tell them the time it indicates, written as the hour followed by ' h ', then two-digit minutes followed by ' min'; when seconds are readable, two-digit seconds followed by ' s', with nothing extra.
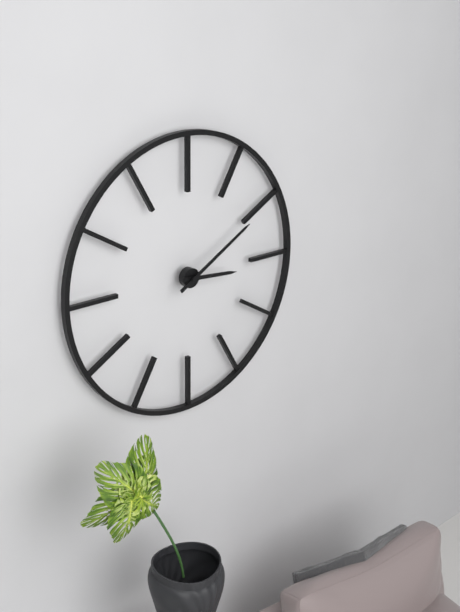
3 h 10 min
